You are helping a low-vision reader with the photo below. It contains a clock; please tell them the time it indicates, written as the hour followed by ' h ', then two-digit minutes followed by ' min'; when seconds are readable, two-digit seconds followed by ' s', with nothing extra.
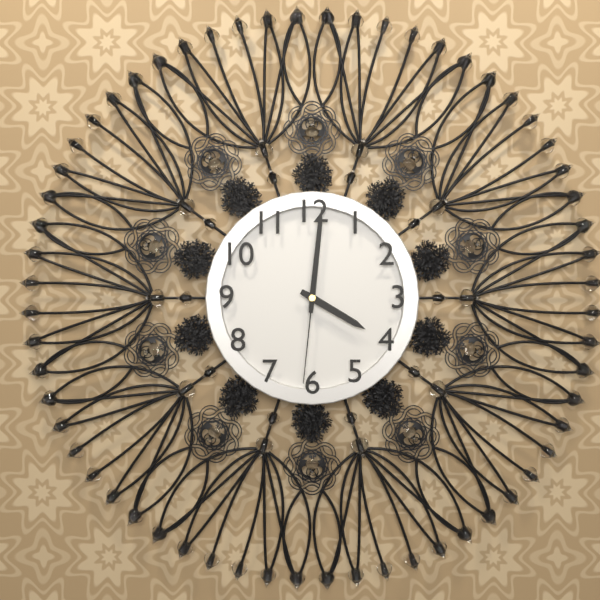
4 h 01 min 31 s
